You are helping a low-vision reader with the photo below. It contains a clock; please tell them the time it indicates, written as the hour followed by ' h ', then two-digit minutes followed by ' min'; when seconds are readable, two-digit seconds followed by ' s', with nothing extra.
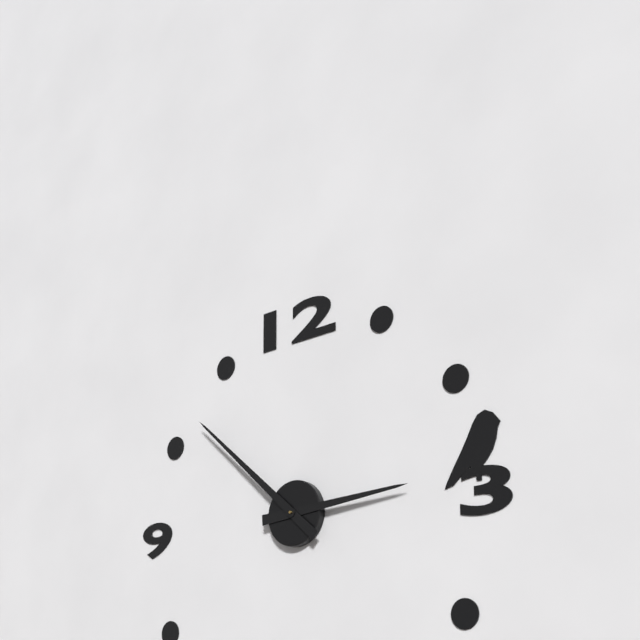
2 h 52 min
